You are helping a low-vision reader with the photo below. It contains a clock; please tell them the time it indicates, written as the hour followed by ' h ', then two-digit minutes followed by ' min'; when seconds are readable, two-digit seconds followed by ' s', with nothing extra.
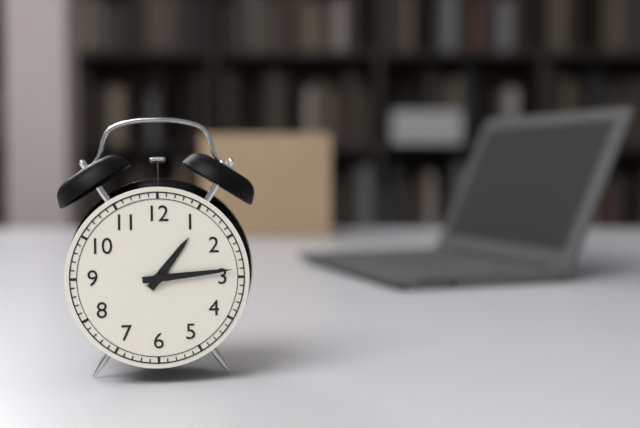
1 h 14 min
